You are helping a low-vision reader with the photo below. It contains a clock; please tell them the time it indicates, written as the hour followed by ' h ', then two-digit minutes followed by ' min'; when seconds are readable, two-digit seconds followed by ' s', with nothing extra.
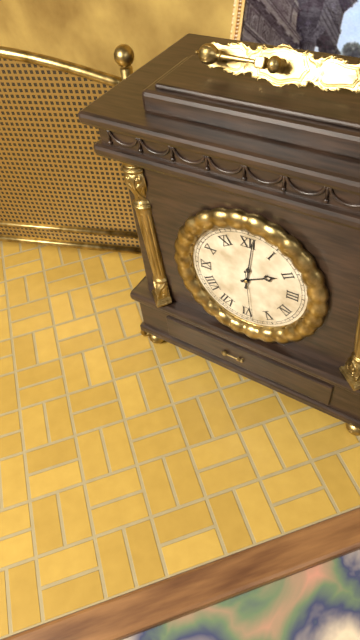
2 h 01 min 29 s
